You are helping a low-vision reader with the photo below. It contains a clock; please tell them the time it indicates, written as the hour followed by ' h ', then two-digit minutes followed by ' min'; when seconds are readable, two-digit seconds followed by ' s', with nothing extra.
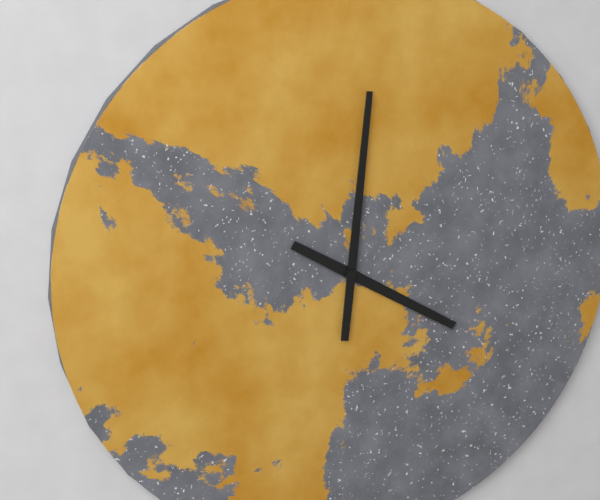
4 h 01 min
